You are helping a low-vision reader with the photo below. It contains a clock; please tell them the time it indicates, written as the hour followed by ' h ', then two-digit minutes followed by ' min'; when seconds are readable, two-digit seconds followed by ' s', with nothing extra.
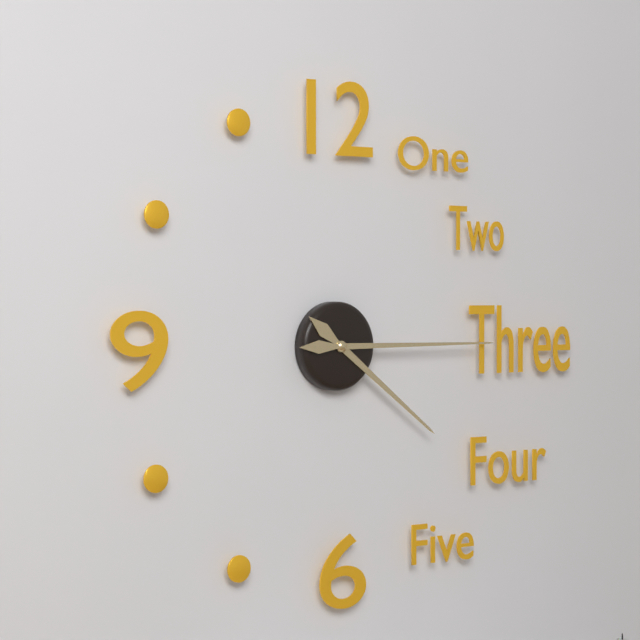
4 h 15 min
